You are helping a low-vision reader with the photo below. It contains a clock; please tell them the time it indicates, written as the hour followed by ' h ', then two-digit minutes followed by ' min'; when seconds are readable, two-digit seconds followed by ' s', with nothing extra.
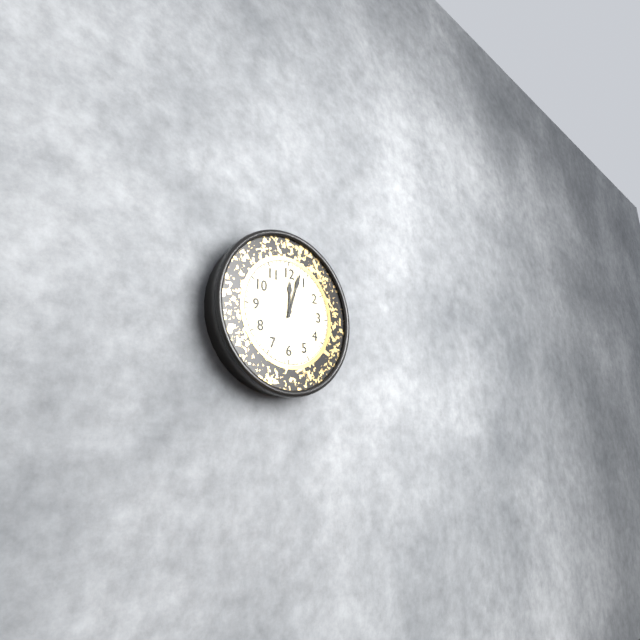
12 h 03 min
